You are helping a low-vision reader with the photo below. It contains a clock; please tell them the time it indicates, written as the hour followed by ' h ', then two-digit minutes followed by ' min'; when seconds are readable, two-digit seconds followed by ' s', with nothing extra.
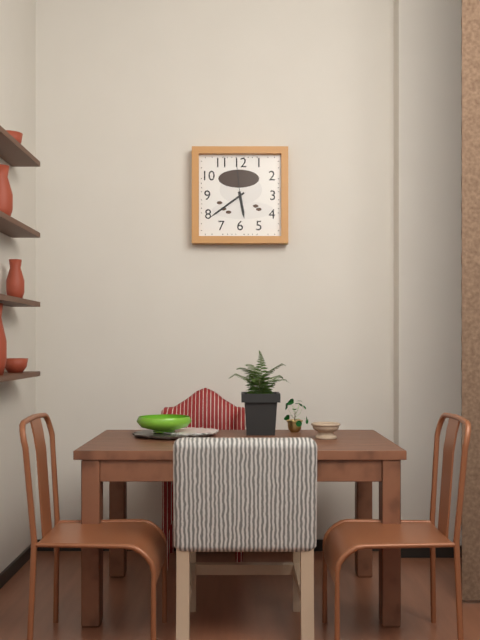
5 h 39 min
